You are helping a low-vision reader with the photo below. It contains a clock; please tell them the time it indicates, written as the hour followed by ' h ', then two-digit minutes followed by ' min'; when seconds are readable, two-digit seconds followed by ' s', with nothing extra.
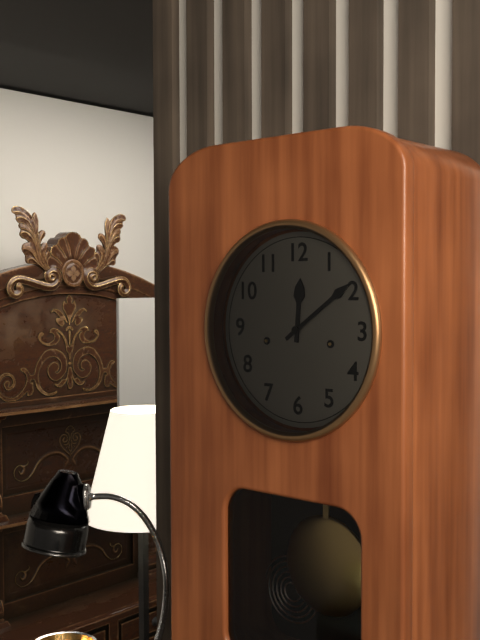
12 h 09 min
